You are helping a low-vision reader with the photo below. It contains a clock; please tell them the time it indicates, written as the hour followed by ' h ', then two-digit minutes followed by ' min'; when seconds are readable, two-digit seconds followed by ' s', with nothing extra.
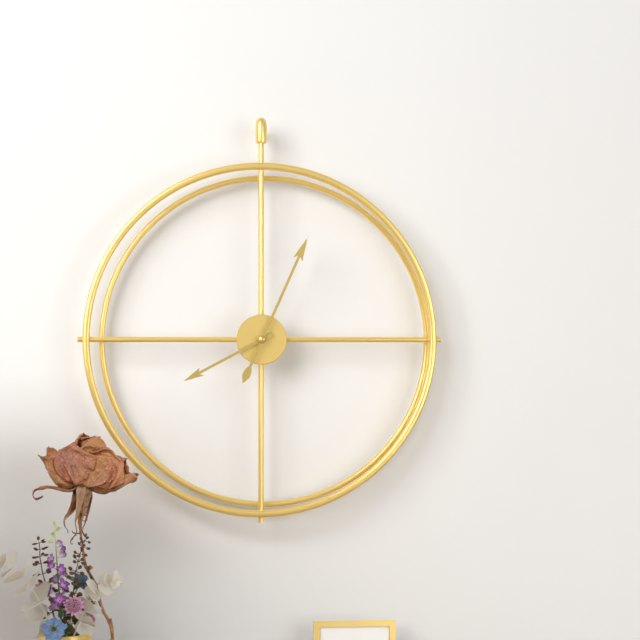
8 h 04 min
